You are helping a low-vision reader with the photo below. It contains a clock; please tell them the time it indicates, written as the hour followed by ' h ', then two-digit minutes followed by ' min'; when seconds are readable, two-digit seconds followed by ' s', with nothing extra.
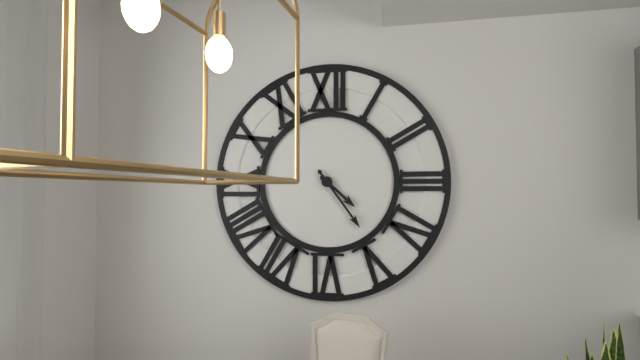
4 h 24 min
